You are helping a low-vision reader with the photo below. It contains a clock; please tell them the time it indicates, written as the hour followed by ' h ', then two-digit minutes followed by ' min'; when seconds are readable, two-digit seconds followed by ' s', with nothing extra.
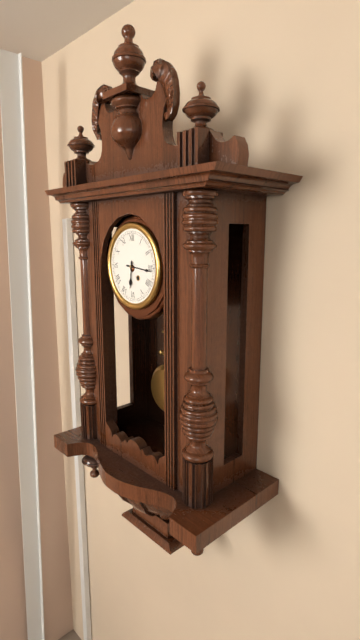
6 h 16 min
